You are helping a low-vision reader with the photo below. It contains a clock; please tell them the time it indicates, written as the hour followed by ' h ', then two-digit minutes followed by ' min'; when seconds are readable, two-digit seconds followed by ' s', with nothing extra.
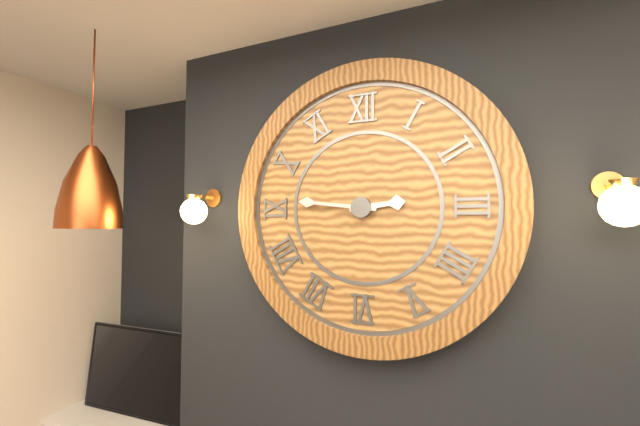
2 h 46 min
